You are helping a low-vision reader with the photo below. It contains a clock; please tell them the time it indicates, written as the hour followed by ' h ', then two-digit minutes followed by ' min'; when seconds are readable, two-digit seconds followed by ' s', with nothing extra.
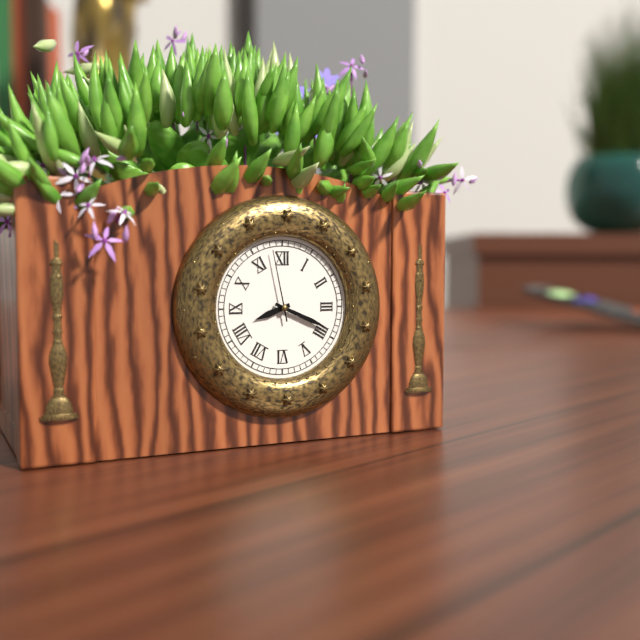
8 h 19 min 58 s
